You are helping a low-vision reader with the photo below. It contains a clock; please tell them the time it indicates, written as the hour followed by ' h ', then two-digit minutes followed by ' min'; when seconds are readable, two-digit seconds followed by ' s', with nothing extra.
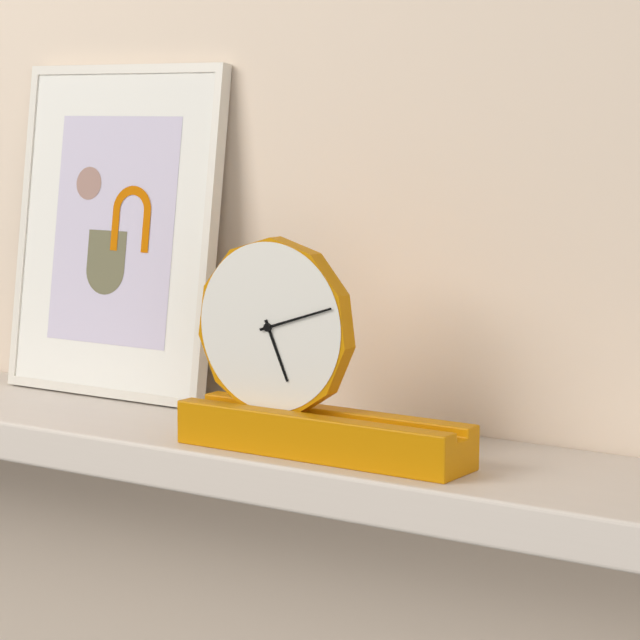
5 h 12 min
